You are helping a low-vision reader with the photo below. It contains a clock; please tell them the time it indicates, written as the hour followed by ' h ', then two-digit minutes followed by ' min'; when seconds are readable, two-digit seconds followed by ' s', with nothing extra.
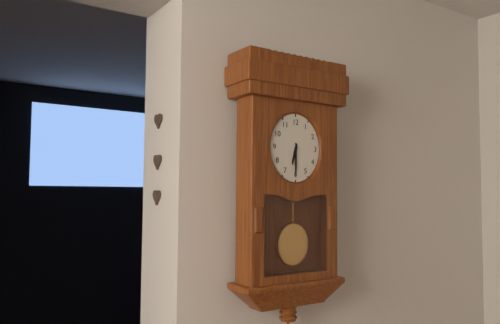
6 h 30 min
